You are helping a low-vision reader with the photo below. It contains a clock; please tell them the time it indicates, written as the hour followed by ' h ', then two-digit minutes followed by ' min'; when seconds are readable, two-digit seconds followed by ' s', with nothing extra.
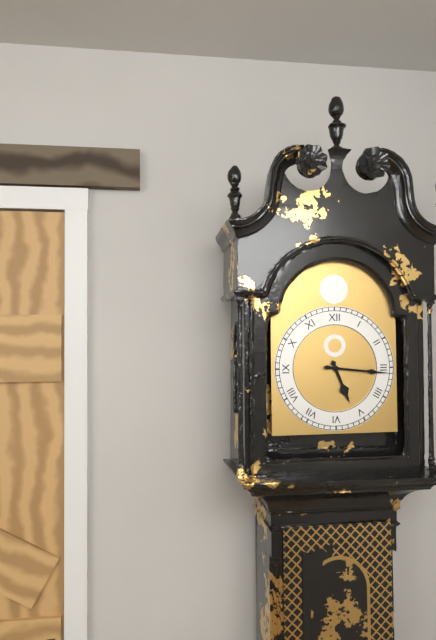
5 h 16 min
